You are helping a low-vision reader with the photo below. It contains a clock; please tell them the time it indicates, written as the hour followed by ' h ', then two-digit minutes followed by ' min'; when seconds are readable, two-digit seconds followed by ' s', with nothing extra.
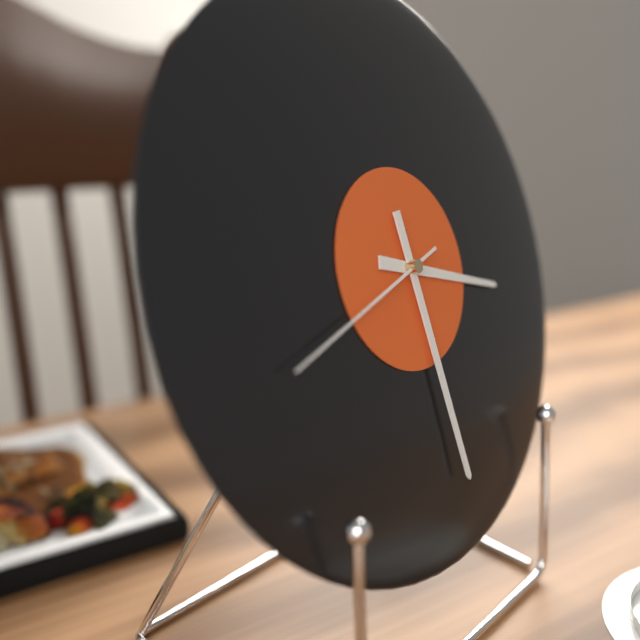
3 h 29 min 42 s
